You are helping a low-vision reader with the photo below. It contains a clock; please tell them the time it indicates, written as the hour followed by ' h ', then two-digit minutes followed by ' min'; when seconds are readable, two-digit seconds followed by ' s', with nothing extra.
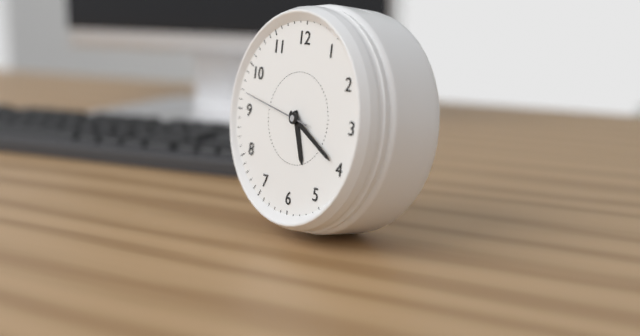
5 h 20 min 47 s
